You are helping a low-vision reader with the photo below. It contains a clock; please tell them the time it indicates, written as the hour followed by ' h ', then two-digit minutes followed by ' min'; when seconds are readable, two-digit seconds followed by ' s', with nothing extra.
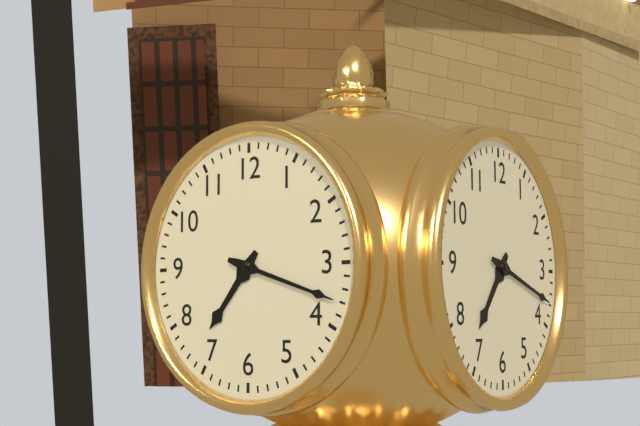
7 h 18 min
